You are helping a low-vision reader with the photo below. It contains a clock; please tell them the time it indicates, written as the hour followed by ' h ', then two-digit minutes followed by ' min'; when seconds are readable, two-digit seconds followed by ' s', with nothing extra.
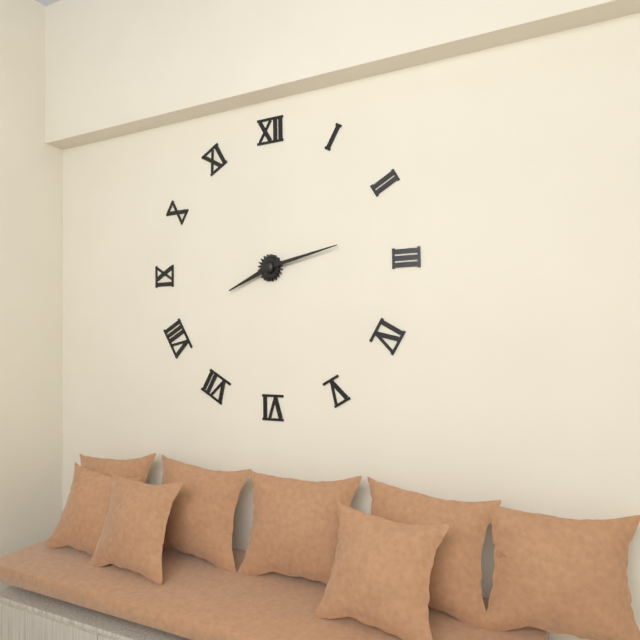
8 h 13 min
